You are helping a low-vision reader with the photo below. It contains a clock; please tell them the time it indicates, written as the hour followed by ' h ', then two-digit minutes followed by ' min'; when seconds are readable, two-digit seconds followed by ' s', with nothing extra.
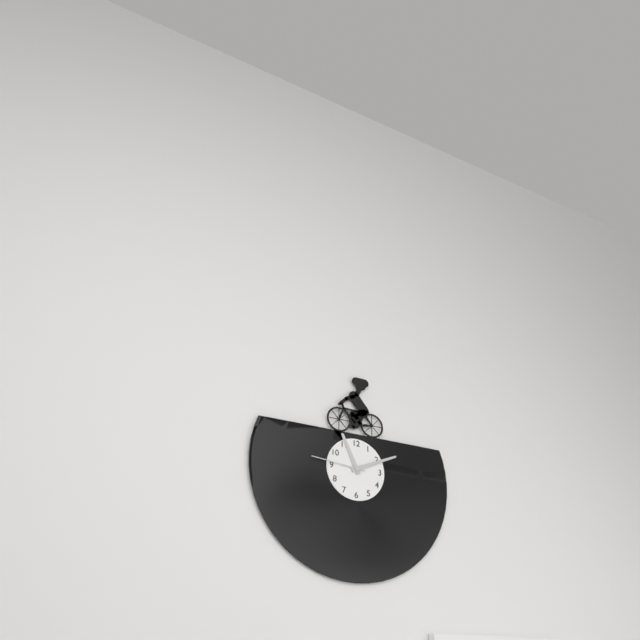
11 h 11 min 46 s
